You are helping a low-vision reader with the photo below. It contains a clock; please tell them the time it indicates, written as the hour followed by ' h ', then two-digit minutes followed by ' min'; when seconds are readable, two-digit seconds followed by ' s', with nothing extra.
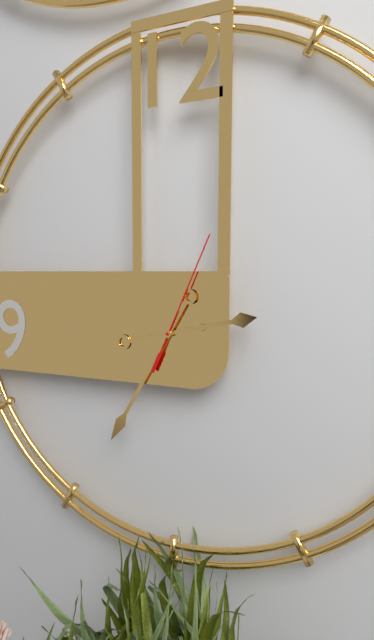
2 h 35 min 04 s
